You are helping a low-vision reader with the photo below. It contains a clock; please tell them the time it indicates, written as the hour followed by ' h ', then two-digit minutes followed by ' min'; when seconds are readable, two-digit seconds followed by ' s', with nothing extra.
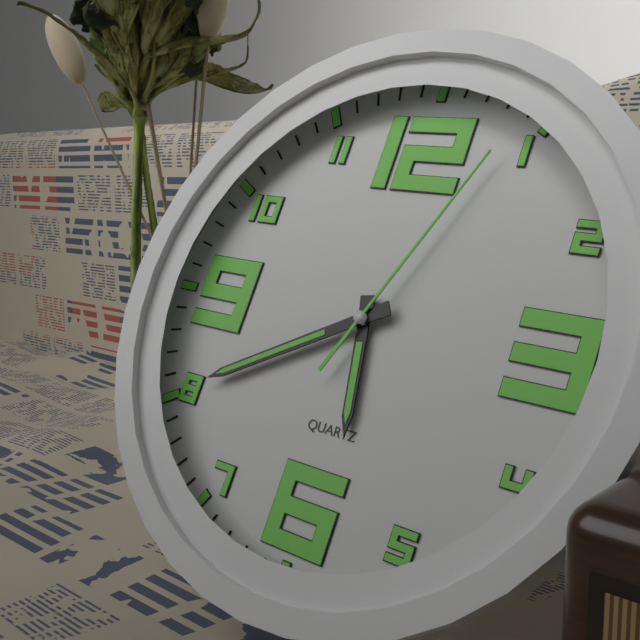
5 h 40 min 04 s
